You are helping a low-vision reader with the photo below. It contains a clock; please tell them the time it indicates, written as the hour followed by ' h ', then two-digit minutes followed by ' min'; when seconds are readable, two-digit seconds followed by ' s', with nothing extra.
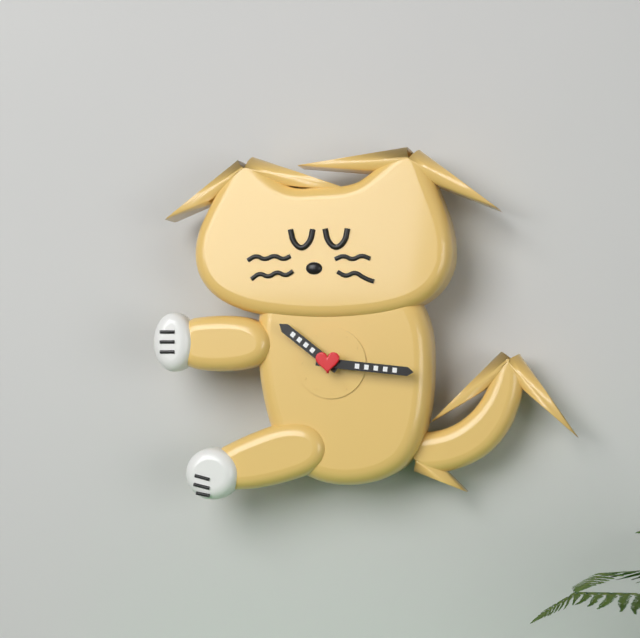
10 h 16 min
